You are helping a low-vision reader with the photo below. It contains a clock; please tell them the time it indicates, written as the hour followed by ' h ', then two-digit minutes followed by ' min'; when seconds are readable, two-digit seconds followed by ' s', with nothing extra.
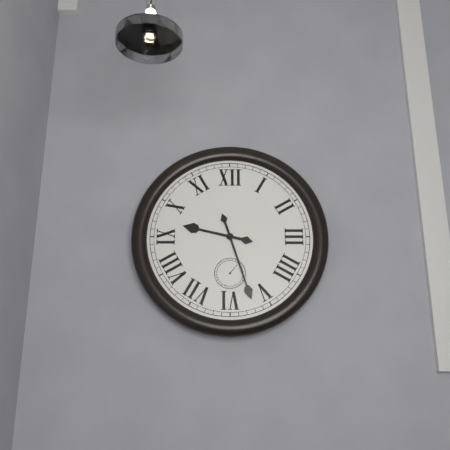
9 h 27 min
